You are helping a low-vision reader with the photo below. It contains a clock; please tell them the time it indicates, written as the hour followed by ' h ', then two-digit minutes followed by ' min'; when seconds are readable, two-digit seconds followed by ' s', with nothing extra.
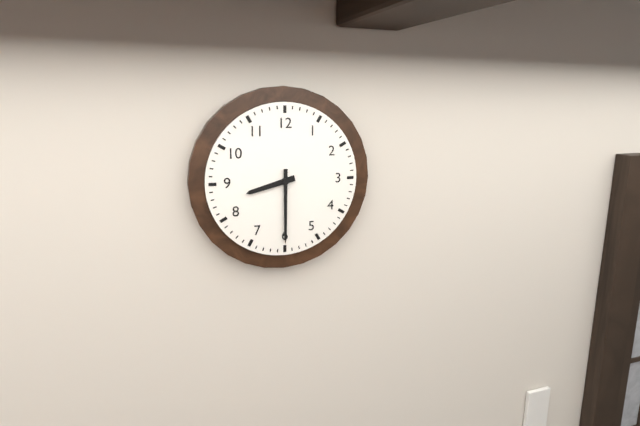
8 h 30 min
